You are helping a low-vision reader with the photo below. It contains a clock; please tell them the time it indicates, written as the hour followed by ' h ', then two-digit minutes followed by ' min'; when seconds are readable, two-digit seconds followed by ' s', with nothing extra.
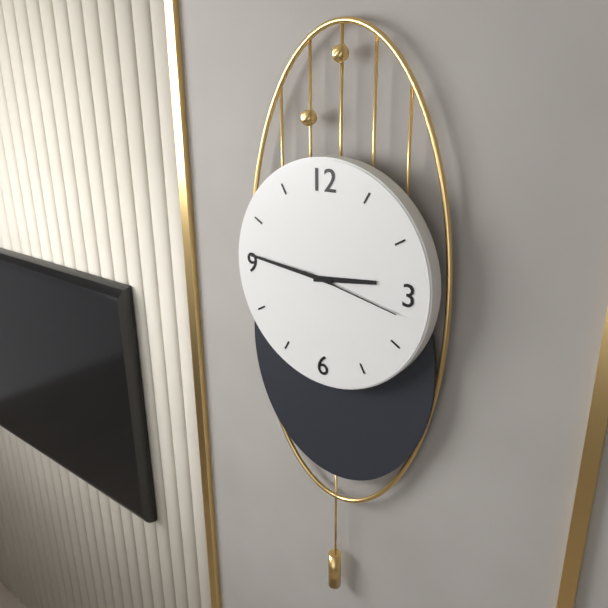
2 h 46 min 17 s
